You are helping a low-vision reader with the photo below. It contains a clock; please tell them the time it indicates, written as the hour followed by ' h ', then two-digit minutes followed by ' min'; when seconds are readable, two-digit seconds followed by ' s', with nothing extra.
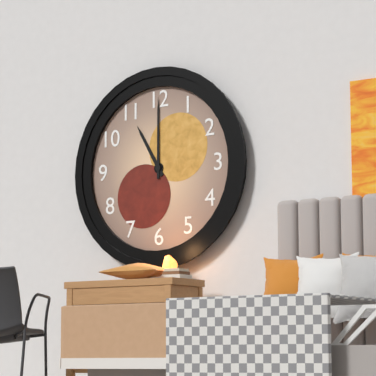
11 h 00 min
